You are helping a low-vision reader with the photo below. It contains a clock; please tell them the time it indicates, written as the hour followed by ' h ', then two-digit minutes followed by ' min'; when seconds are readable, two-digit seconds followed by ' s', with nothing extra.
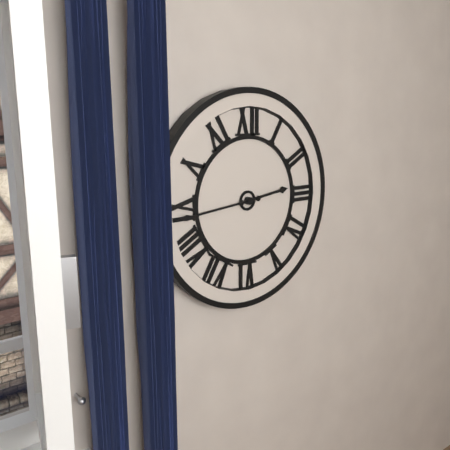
2 h 44 min
